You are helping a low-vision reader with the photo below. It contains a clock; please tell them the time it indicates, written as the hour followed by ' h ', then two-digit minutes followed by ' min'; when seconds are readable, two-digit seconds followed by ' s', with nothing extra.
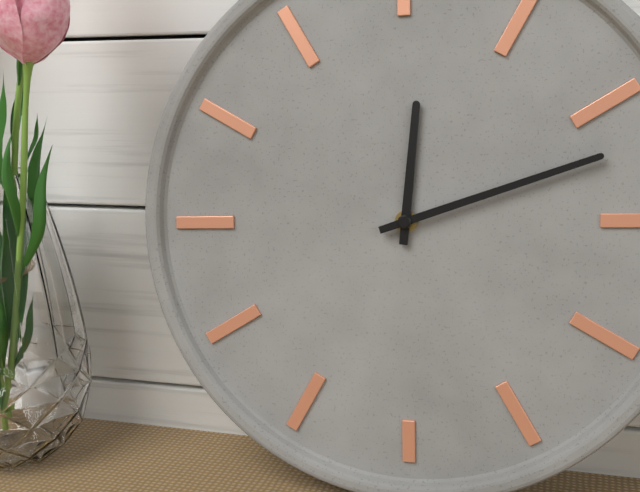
12 h 12 min
